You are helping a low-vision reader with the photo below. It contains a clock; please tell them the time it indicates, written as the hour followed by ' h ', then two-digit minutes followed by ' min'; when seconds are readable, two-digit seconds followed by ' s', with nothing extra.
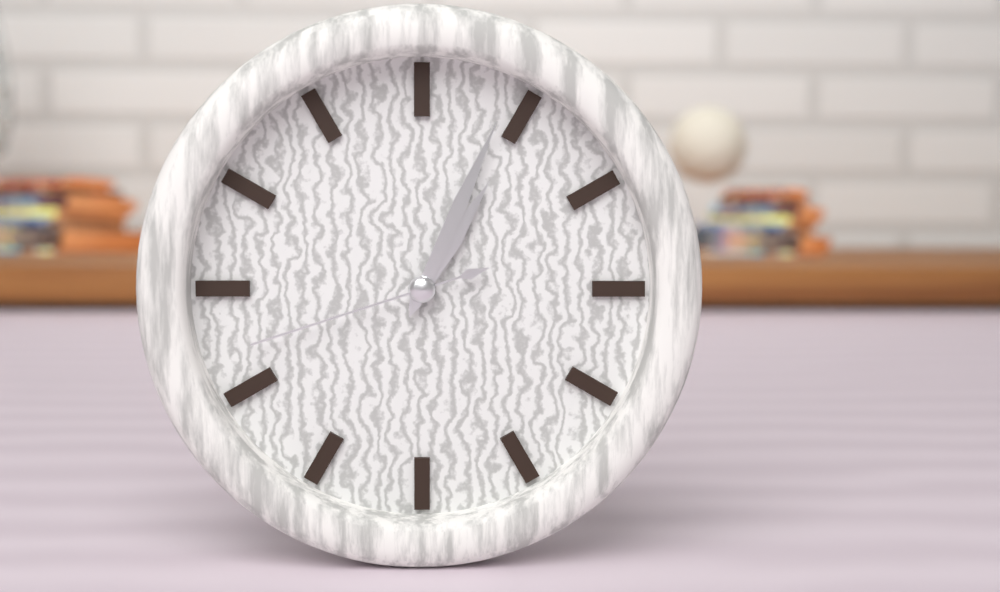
1 h 04 min 42 s
